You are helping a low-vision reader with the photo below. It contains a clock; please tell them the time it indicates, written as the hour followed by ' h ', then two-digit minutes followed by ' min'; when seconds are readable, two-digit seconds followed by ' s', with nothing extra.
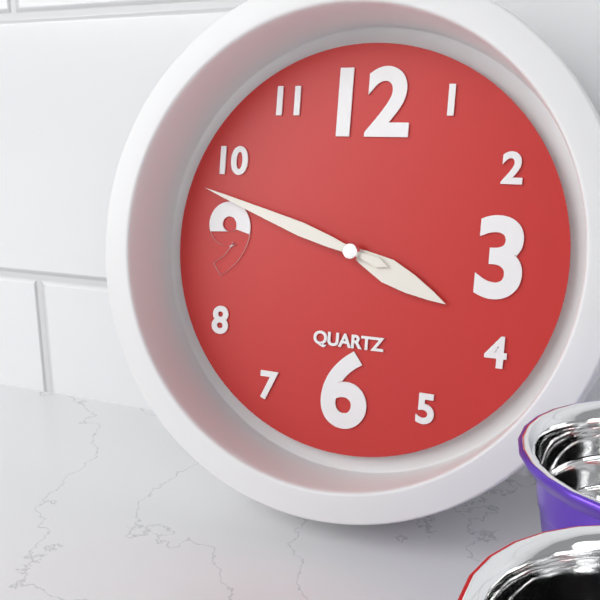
3 h 48 min
